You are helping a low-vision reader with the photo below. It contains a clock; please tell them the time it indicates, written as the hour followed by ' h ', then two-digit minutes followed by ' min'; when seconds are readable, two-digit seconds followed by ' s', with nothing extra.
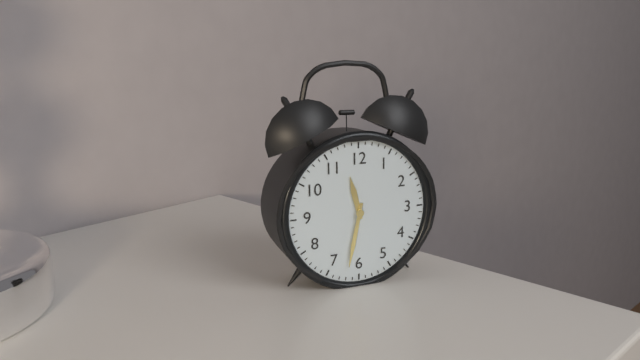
11 h 32 min
